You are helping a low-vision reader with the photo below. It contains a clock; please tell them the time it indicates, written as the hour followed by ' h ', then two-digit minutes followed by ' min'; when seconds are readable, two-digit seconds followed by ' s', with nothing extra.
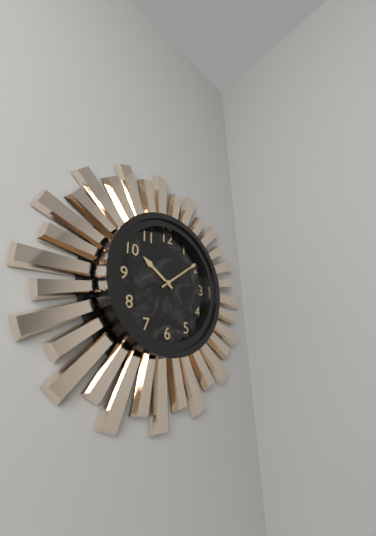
10 h 09 min
